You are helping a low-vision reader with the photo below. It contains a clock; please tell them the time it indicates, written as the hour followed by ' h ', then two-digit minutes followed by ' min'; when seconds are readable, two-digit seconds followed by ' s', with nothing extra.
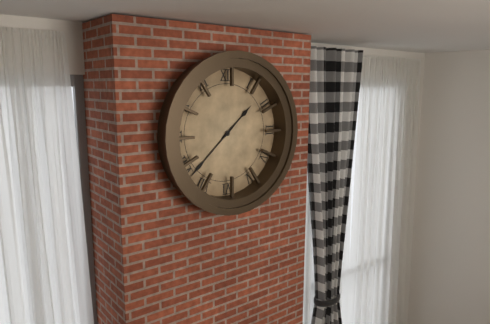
1 h 38 min
